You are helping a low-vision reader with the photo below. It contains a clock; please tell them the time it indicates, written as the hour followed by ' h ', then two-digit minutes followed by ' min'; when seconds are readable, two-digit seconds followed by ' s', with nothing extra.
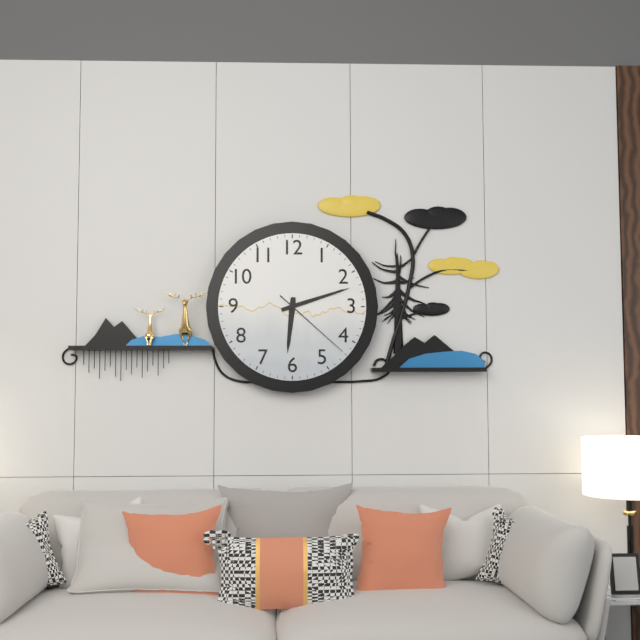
6 h 12 min 22 s
